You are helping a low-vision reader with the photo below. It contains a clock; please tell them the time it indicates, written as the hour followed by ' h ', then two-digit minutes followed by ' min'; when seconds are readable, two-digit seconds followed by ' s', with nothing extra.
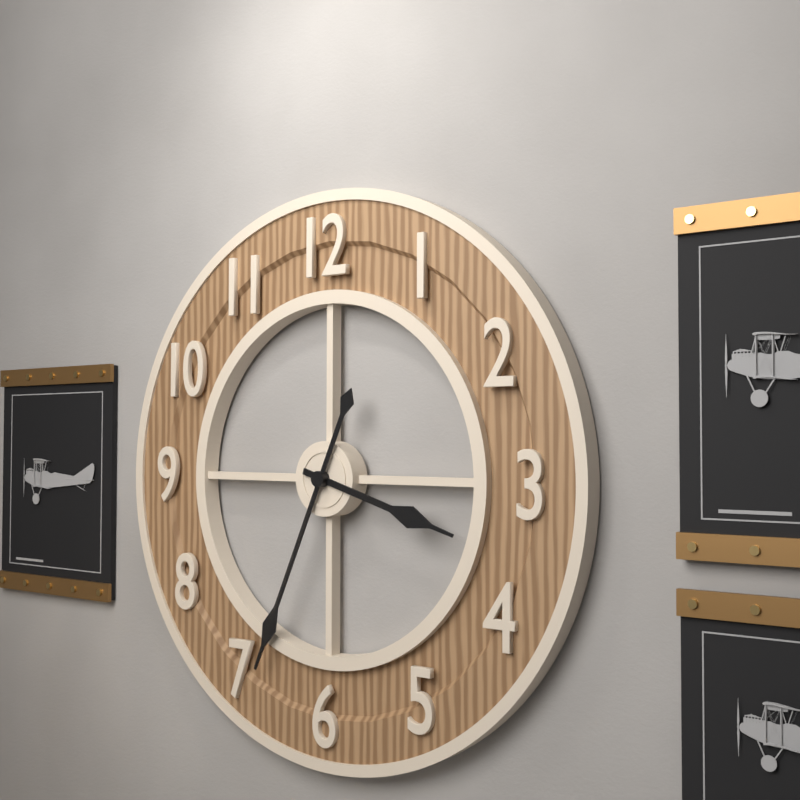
3 h 34 min
